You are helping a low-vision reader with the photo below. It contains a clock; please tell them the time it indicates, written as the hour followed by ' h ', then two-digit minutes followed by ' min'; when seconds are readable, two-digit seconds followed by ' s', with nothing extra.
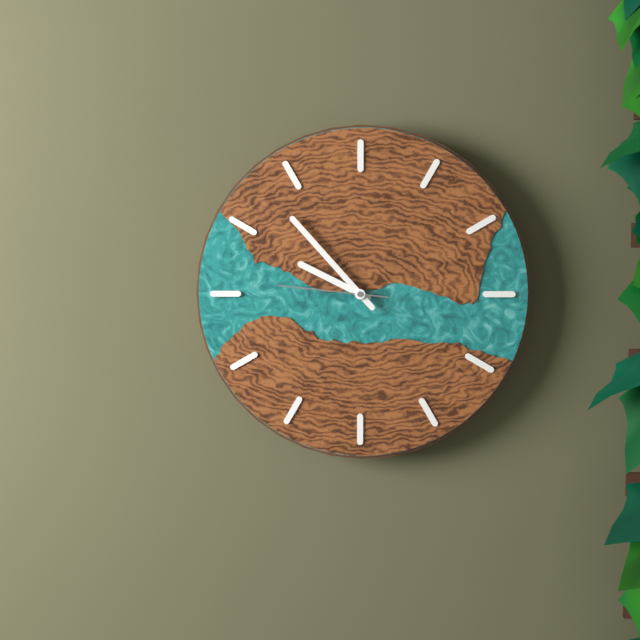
9 h 53 min 46 s
